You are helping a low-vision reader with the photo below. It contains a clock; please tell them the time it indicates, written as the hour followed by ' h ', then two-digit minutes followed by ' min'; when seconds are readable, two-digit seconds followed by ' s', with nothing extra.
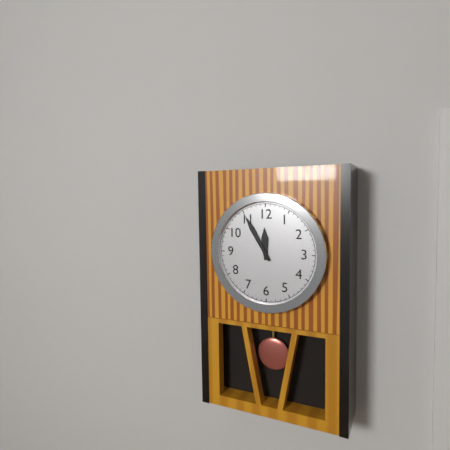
11 h 55 min
